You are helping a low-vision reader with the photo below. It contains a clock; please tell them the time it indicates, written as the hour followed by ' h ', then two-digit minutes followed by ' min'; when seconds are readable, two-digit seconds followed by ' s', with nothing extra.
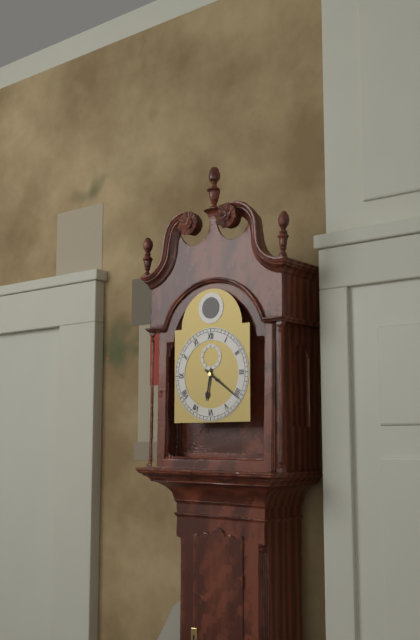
6 h 21 min
